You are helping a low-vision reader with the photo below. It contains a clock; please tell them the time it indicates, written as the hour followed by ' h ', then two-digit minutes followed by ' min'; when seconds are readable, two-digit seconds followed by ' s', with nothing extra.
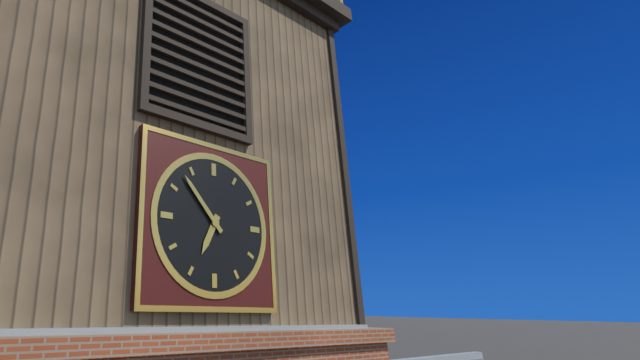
6 h 53 min
